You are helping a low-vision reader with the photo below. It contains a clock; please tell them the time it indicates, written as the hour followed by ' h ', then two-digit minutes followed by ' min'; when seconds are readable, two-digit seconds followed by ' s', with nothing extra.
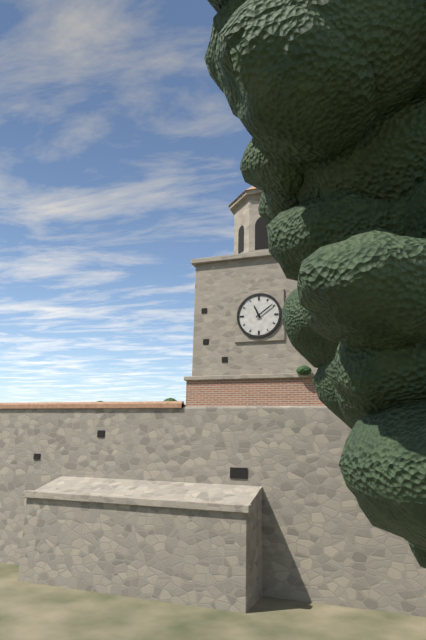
11 h 09 min
